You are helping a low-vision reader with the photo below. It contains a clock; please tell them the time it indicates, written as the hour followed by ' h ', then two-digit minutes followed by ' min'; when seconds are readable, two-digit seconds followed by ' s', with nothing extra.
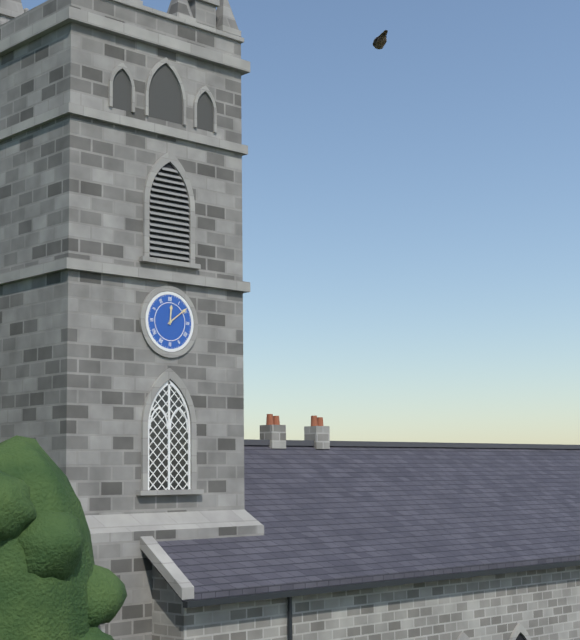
12 h 09 min
